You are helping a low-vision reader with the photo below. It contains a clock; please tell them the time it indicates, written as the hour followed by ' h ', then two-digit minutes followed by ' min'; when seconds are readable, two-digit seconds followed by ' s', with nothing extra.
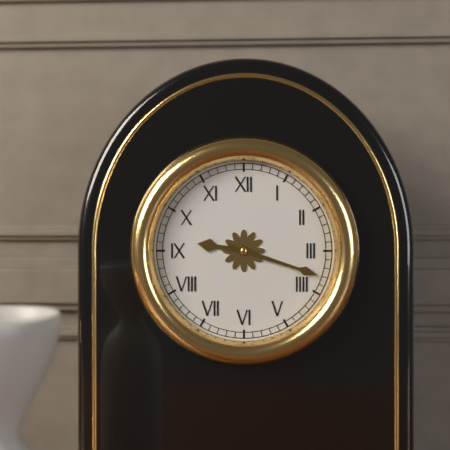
9 h 18 min
